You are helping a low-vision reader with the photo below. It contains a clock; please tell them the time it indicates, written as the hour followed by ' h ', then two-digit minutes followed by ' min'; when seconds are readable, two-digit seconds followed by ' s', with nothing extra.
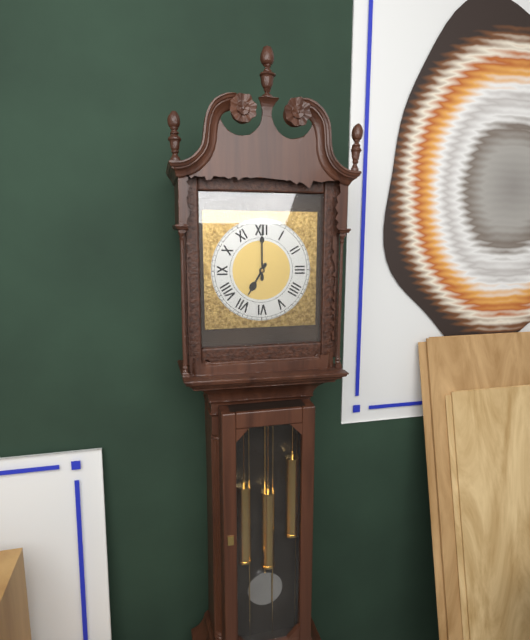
7 h 00 min
